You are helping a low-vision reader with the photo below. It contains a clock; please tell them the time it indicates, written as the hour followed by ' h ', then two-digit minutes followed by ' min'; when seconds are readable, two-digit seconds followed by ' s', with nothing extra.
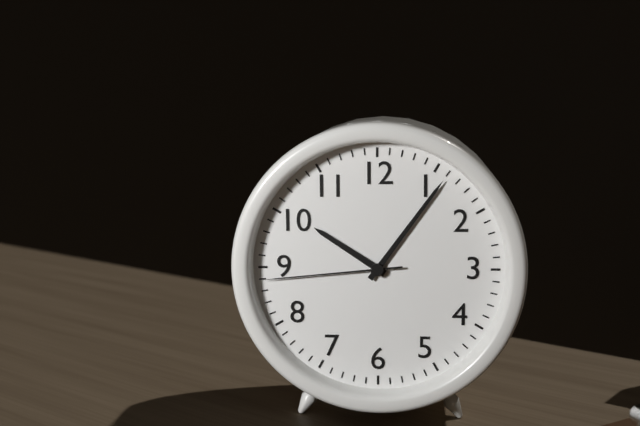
10 h 06 min 44 s
